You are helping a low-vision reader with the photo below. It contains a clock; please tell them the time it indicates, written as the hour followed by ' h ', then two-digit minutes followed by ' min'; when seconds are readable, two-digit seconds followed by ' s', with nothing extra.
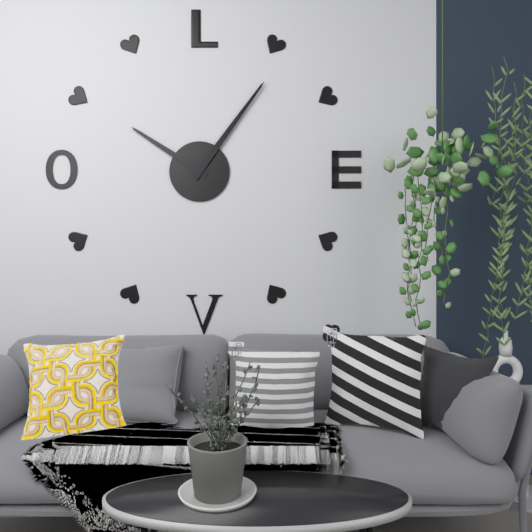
10 h 06 min
